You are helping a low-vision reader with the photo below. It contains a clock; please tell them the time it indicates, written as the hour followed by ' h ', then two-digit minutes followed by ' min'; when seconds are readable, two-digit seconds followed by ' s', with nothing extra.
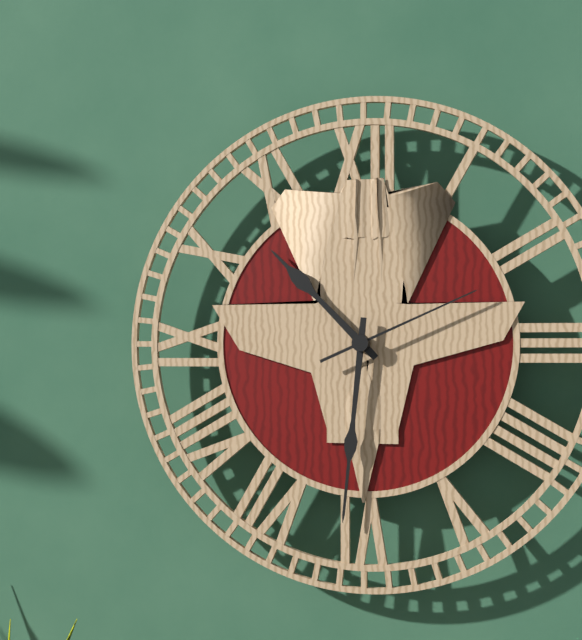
10 h 31 min 11 s
